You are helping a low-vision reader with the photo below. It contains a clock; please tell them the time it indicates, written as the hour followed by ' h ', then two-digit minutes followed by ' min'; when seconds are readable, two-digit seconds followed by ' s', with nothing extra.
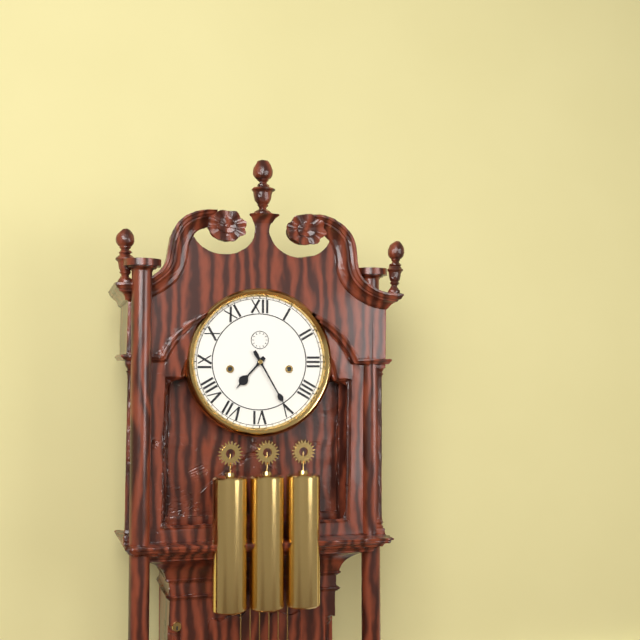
7 h 25 min
